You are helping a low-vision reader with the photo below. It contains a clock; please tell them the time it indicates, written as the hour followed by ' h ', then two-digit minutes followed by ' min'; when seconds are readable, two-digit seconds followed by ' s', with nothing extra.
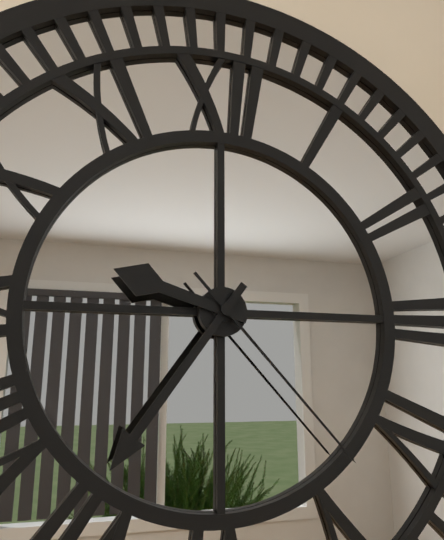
9 h 36 min 23 s
